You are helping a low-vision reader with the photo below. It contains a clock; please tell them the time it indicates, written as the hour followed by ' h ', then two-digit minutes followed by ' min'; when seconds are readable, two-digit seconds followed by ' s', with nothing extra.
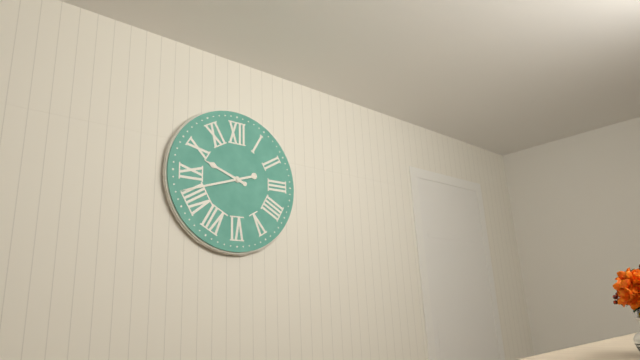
9 h 42 min
